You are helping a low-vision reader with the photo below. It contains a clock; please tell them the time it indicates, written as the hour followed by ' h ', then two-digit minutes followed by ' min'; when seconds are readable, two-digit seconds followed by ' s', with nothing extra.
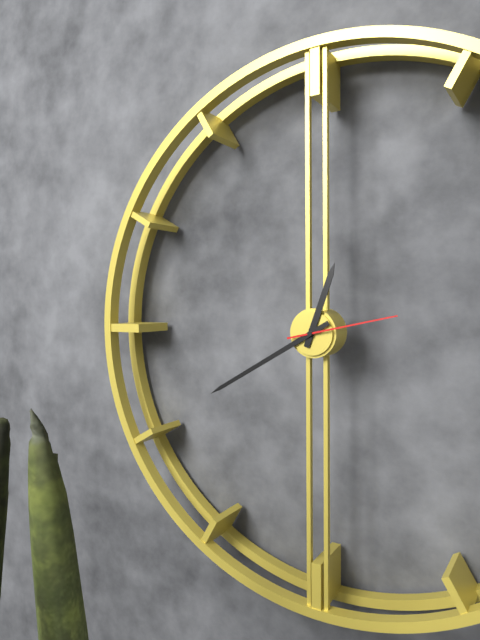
12 h 40 min 13 s
